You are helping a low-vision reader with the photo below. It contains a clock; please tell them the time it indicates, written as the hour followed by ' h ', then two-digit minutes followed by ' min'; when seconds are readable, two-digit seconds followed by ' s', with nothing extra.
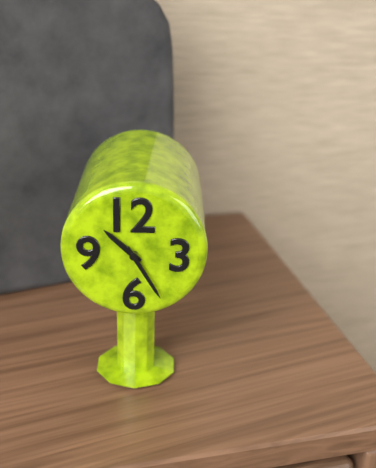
10 h 25 min
